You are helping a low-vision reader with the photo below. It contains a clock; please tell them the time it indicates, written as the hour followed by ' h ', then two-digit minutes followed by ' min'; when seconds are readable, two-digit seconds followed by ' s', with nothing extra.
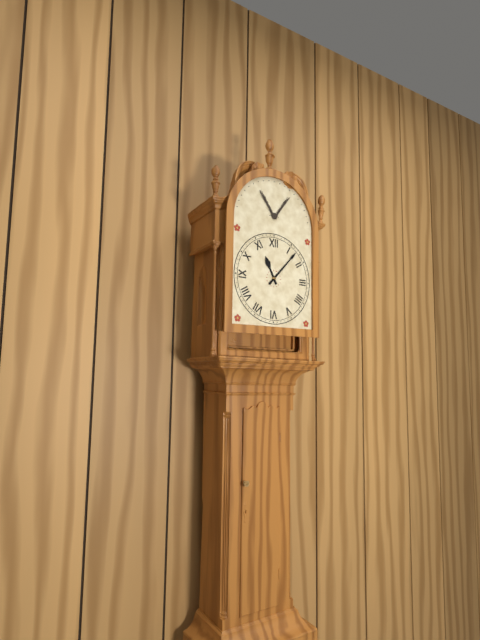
11 h 07 min
